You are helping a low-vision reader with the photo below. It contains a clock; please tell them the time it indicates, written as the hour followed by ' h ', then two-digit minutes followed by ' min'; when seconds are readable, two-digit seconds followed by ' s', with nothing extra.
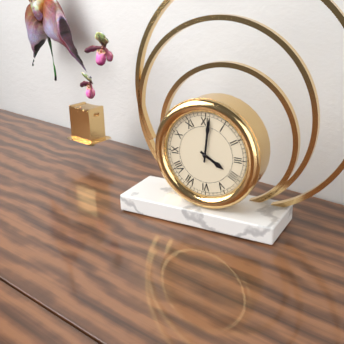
4 h 01 min
